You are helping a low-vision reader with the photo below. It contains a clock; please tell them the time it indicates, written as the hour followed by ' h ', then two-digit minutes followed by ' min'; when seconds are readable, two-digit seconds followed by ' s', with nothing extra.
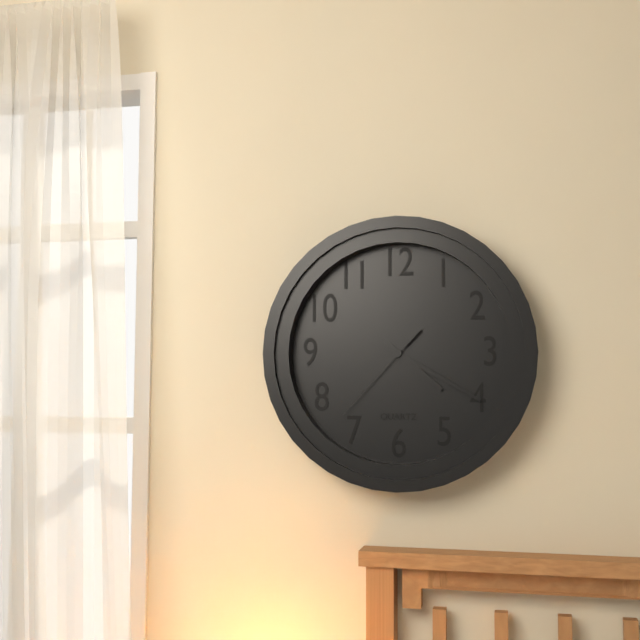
4 h 20 min 37 s
